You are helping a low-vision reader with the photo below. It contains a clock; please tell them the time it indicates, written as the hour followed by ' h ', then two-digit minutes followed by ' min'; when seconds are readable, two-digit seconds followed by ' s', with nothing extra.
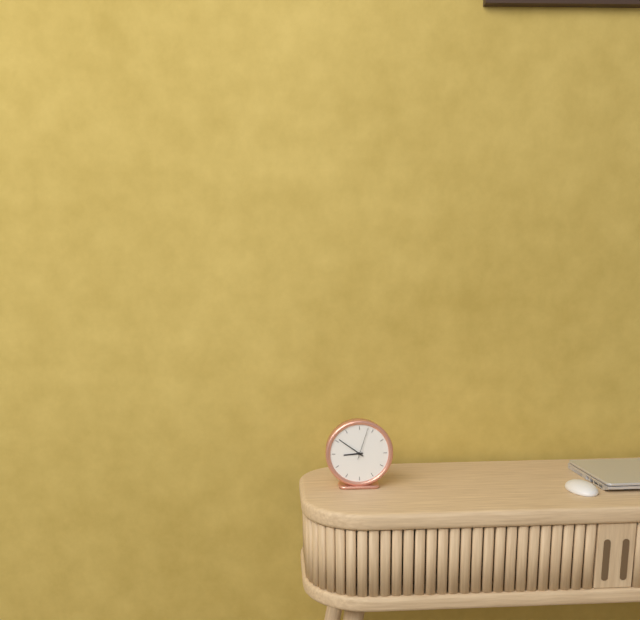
8 h 51 min
